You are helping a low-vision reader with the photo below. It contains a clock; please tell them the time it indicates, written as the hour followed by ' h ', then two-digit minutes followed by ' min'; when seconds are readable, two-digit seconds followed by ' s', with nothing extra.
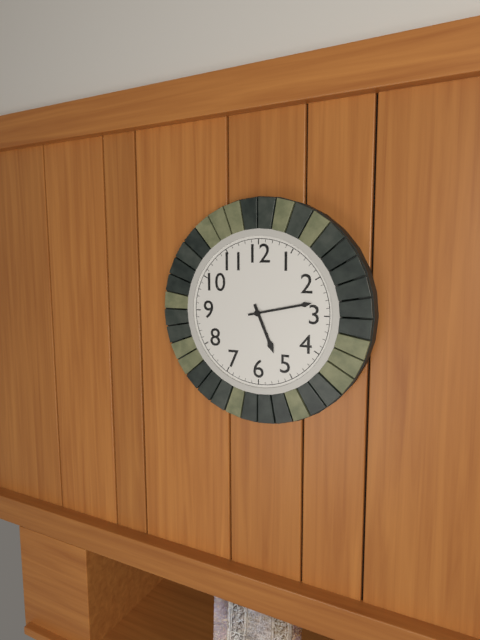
5 h 13 min
